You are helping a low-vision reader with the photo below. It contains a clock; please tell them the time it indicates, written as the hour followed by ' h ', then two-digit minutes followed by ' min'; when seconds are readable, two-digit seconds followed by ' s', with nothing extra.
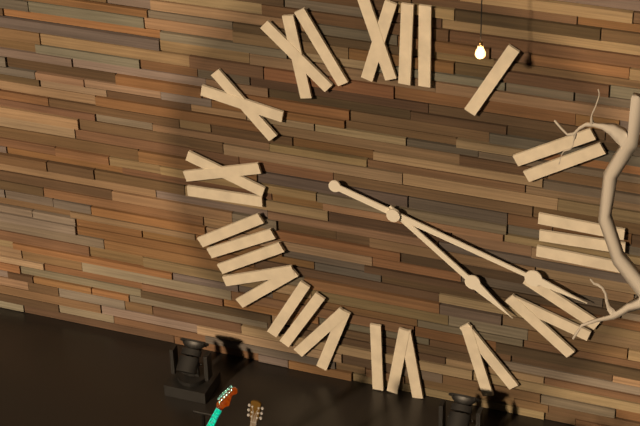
4 h 18 min
